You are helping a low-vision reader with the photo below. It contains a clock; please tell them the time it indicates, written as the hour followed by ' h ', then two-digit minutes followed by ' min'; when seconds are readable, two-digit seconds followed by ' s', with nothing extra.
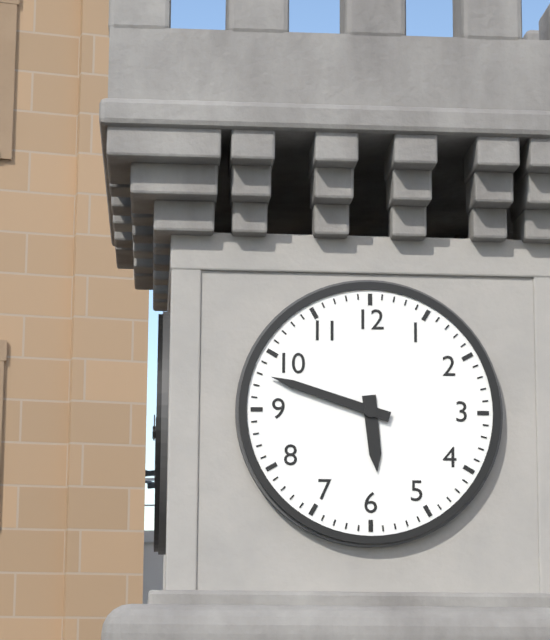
5 h 48 min
